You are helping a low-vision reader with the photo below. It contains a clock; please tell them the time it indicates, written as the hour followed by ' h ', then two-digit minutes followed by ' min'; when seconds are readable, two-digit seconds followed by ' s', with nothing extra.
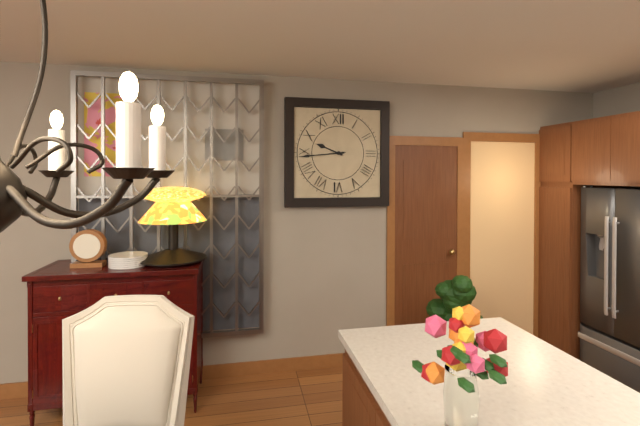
9 h 44 min
